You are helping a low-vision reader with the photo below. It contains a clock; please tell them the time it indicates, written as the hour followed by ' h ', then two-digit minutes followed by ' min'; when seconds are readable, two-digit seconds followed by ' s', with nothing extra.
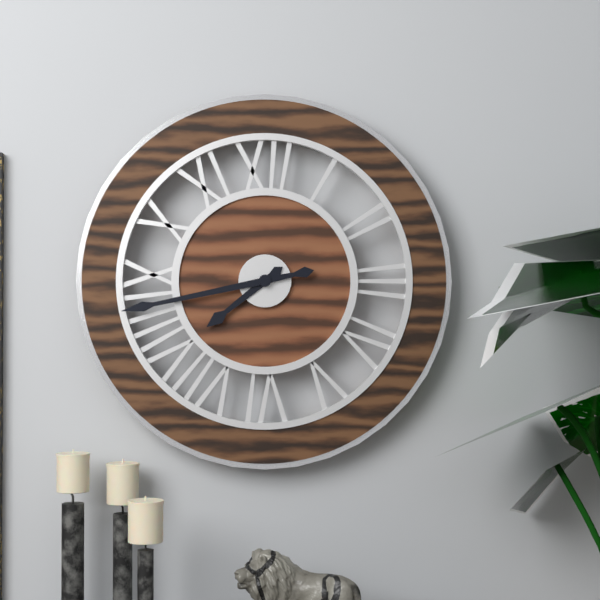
7 h 43 min
